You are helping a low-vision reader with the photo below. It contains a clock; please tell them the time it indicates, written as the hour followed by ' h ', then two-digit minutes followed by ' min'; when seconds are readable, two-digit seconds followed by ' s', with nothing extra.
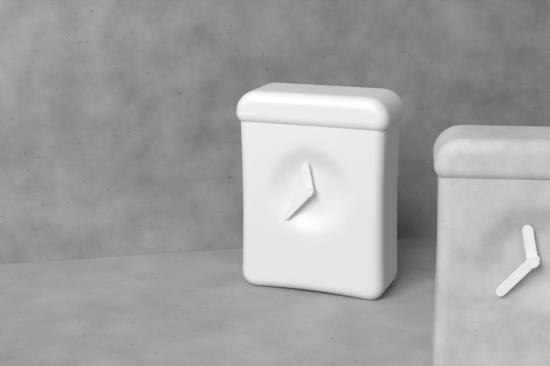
11 h 37 min
